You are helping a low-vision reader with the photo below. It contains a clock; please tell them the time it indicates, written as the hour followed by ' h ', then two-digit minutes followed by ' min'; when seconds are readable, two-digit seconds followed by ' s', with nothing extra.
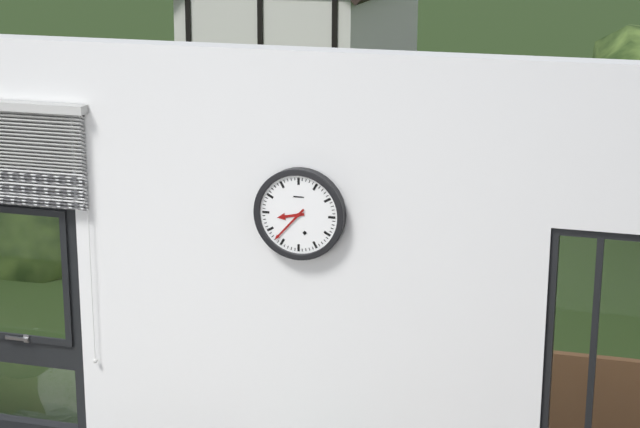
8 h 37 min
